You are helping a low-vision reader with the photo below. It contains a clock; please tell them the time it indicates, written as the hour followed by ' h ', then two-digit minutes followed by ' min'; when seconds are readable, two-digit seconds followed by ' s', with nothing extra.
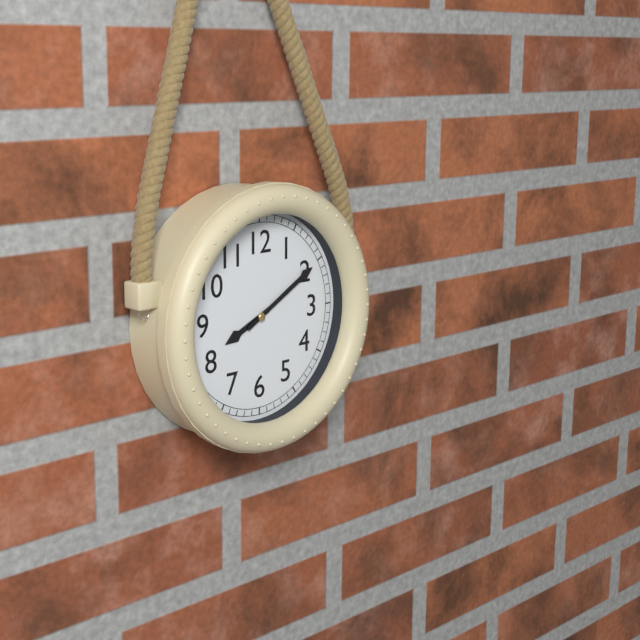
8 h 10 min
